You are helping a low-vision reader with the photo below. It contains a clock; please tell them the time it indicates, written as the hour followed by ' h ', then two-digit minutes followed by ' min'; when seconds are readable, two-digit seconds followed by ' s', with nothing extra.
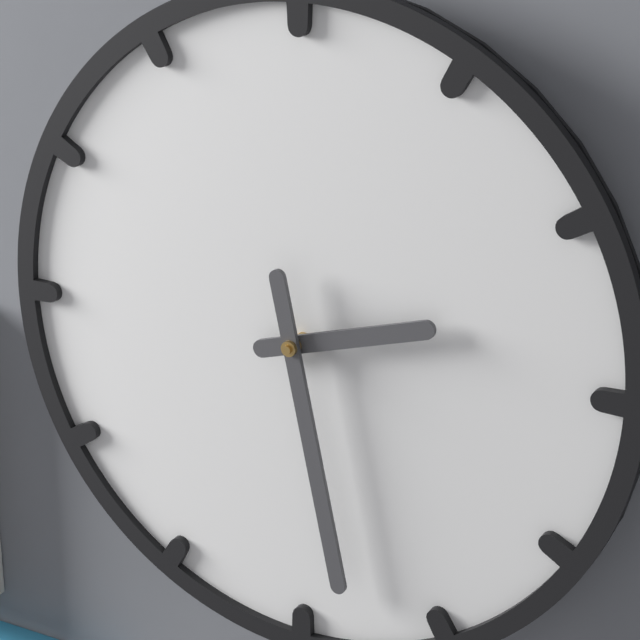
2 h 28 min
